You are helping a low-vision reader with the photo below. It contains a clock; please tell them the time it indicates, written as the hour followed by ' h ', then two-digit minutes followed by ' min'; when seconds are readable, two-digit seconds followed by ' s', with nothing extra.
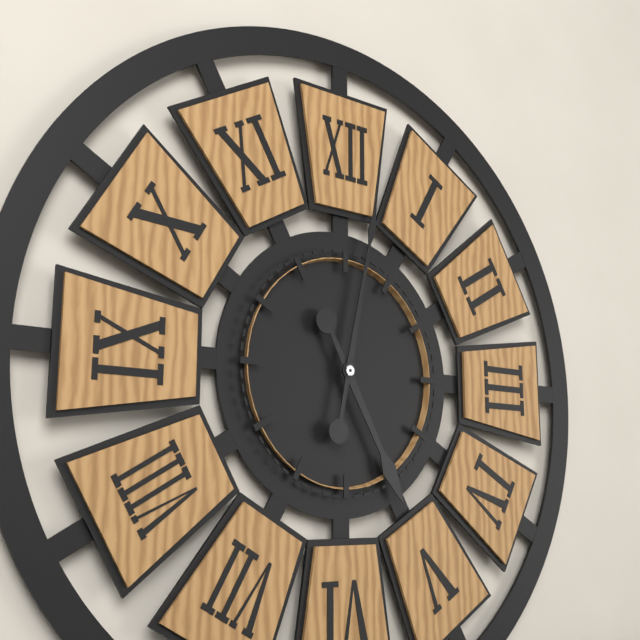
5 h 02 min
